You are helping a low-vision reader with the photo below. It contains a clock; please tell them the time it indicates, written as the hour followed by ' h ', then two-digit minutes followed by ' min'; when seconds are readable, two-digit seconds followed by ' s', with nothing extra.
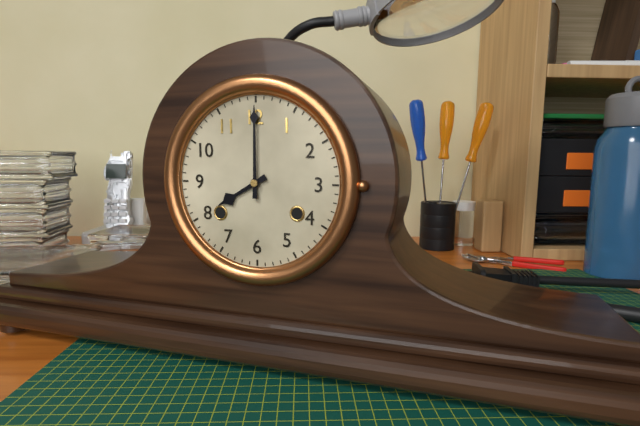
8 h 00 min
